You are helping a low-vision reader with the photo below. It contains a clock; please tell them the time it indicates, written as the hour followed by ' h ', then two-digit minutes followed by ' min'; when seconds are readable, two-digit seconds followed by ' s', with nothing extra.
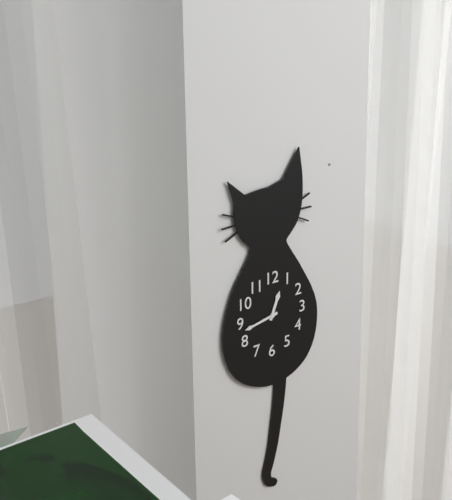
12 h 43 min
